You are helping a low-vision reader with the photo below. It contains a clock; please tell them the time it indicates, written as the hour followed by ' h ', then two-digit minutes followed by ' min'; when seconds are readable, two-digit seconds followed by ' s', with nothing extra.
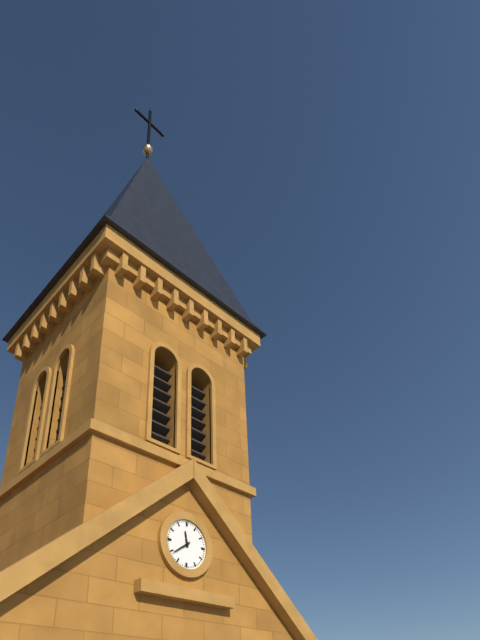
11 h 39 min
